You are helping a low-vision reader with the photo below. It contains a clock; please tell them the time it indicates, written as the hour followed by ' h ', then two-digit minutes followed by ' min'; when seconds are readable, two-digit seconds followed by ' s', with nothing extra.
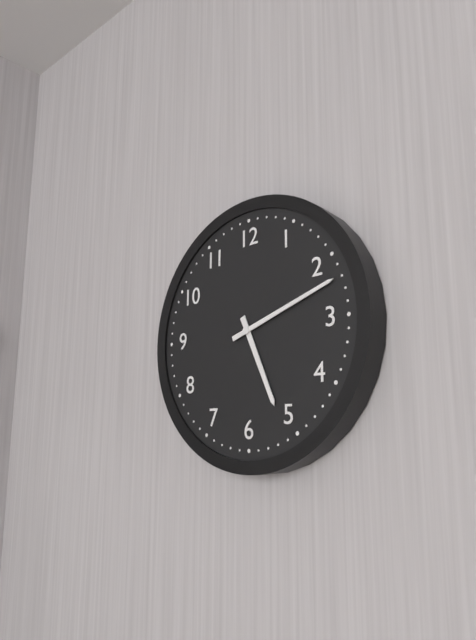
5 h 12 min
